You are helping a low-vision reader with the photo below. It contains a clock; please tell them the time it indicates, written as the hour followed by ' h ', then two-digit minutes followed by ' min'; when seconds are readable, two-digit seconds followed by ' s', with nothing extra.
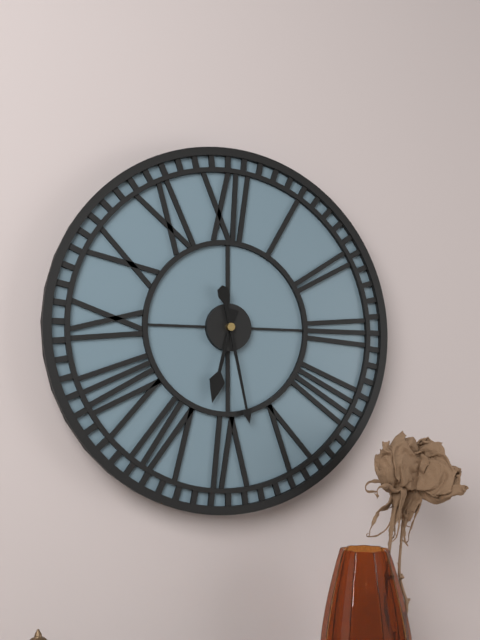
6 h 28 min
